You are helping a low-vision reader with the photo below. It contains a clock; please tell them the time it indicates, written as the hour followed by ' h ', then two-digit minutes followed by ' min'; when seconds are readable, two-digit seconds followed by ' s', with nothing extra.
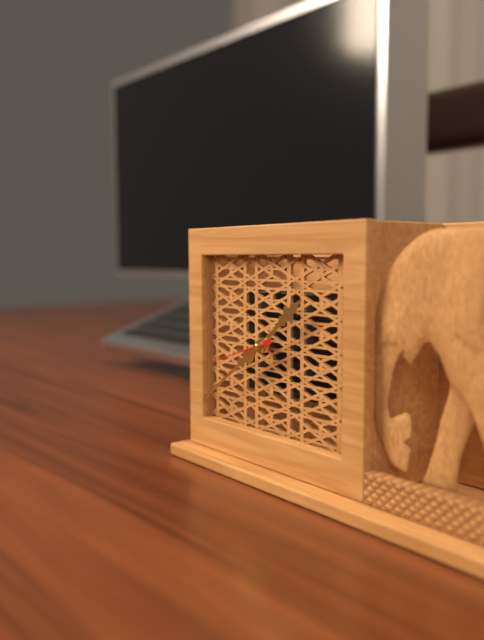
1 h 39 min 42 s
